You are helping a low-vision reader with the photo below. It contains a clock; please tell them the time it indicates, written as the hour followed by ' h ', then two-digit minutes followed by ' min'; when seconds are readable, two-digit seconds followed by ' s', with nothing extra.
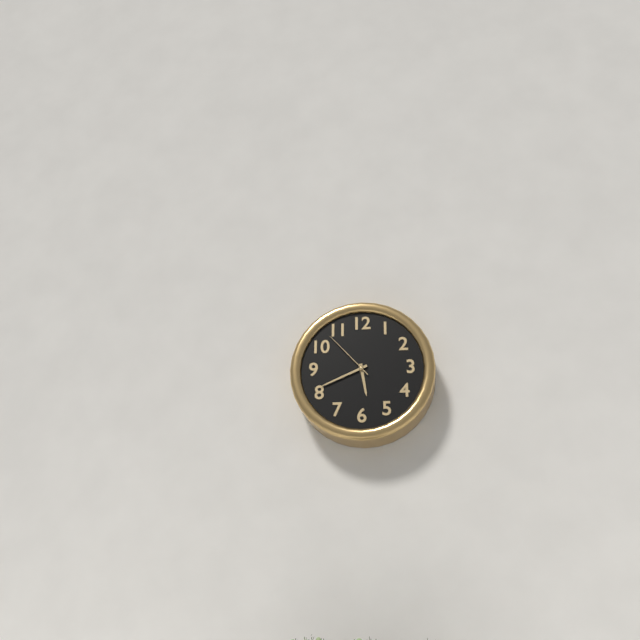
5 h 41 min 53 s
